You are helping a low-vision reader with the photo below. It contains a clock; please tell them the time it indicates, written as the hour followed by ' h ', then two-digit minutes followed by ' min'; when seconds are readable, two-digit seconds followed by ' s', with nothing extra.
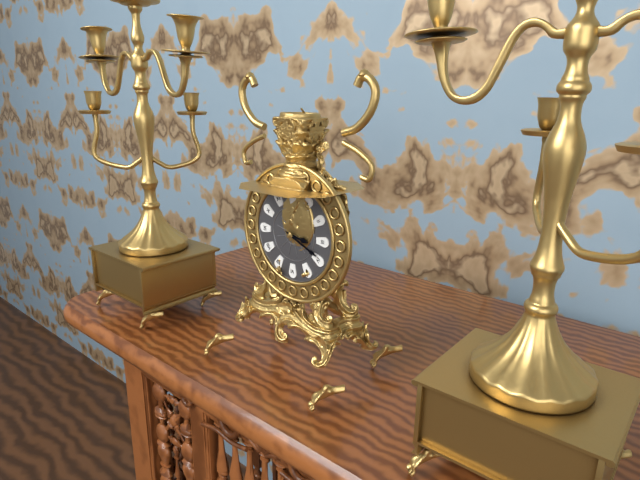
3 h 19 min
